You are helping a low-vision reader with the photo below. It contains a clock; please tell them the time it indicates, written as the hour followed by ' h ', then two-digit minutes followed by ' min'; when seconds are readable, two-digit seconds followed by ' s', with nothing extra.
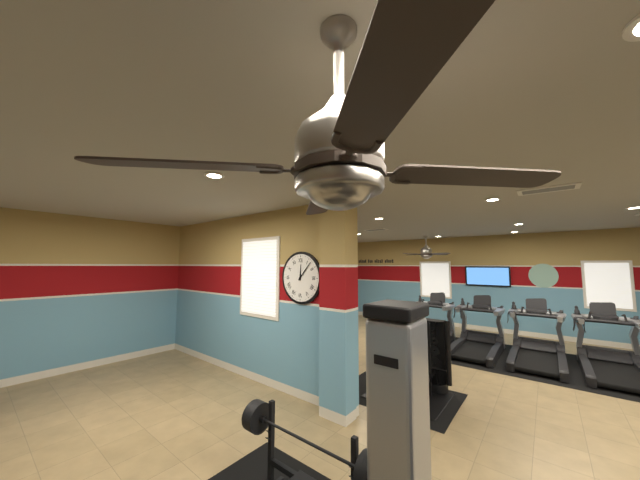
12 h 07 min
